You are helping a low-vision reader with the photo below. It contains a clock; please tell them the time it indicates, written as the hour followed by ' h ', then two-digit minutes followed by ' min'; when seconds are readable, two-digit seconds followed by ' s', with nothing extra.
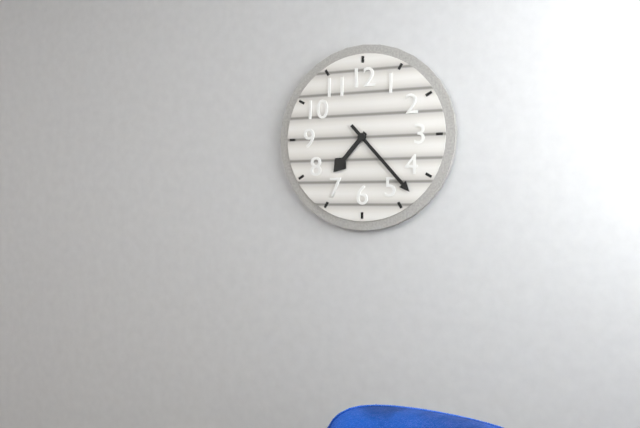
7 h 23 min
